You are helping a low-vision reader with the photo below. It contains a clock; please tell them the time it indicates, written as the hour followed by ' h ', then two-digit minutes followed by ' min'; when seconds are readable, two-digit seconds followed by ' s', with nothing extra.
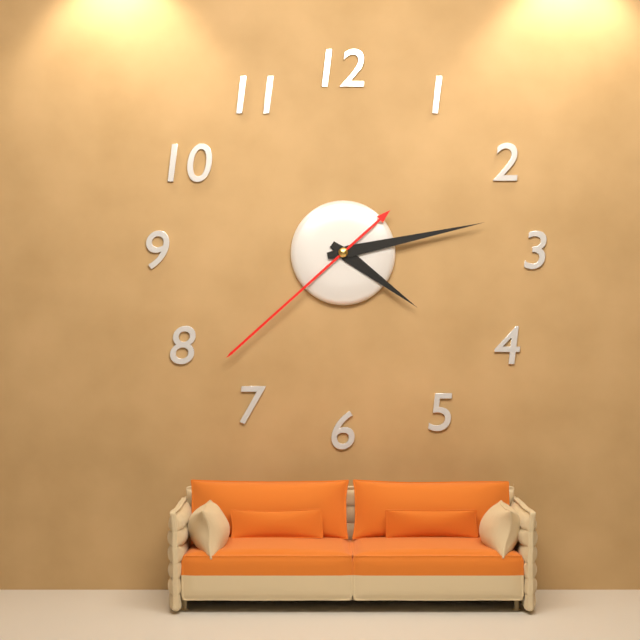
4 h 13 min 38 s
